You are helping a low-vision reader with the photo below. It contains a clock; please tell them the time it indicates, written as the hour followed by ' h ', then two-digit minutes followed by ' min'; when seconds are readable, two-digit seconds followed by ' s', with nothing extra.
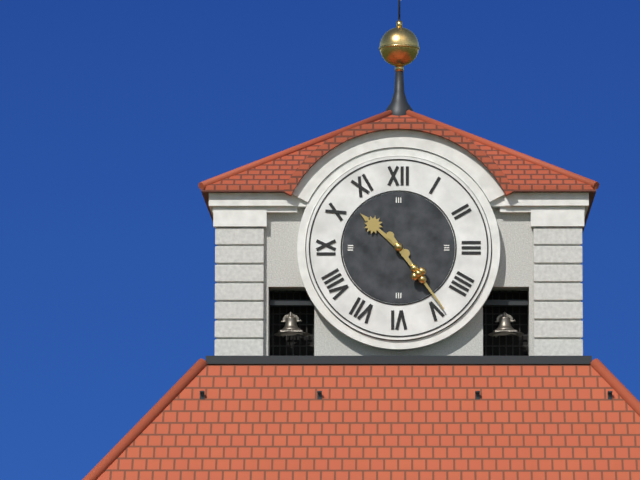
10 h 24 min
